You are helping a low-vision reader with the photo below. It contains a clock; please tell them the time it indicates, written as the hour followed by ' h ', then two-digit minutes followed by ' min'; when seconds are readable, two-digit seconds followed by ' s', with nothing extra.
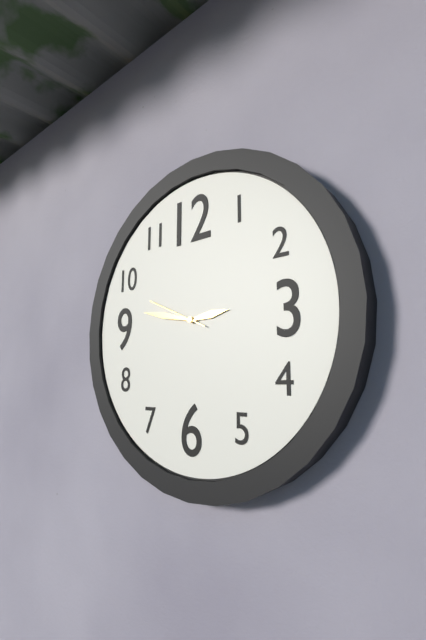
2 h 47 min 49 s
